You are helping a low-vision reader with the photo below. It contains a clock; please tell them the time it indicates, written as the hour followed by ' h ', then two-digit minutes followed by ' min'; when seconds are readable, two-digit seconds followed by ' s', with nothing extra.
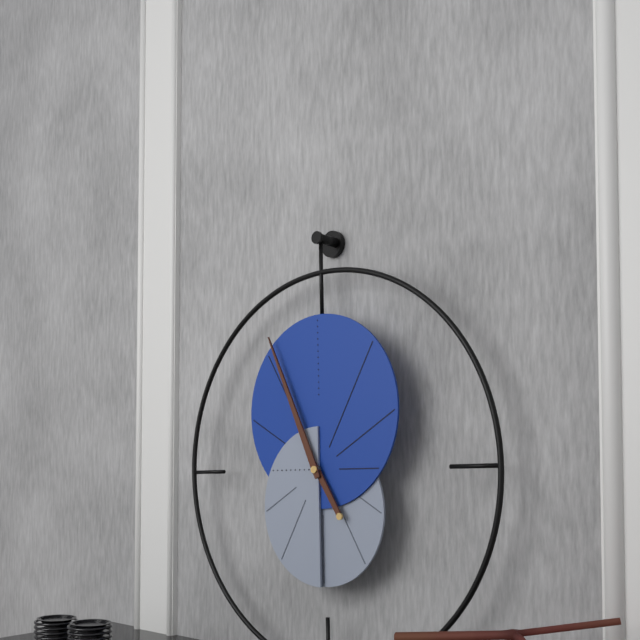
4 h 56 min
